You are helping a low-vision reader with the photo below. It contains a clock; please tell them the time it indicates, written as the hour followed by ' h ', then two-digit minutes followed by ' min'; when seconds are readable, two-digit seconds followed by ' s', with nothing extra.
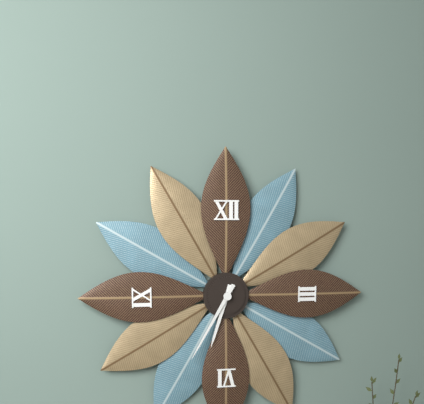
6 h 35 min
